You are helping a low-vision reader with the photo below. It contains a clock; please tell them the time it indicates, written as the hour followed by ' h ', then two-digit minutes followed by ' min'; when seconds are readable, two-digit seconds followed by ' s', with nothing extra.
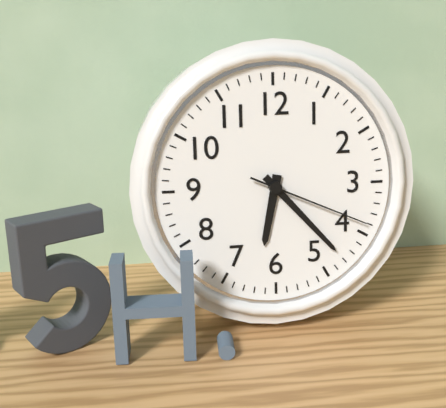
6 h 23 min 19 s
